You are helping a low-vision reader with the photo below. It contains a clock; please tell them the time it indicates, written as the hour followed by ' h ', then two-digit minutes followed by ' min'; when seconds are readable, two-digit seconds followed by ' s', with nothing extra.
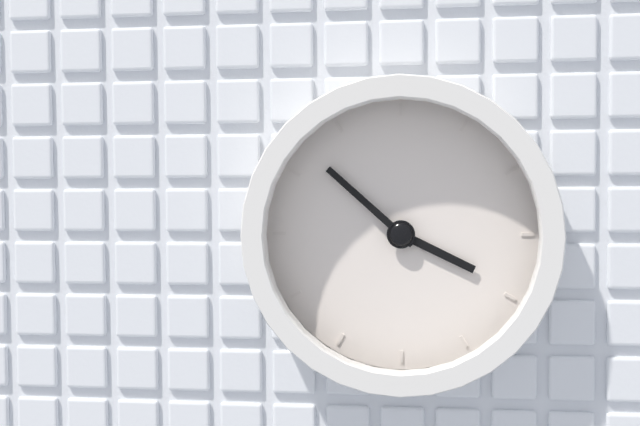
3 h 52 min
